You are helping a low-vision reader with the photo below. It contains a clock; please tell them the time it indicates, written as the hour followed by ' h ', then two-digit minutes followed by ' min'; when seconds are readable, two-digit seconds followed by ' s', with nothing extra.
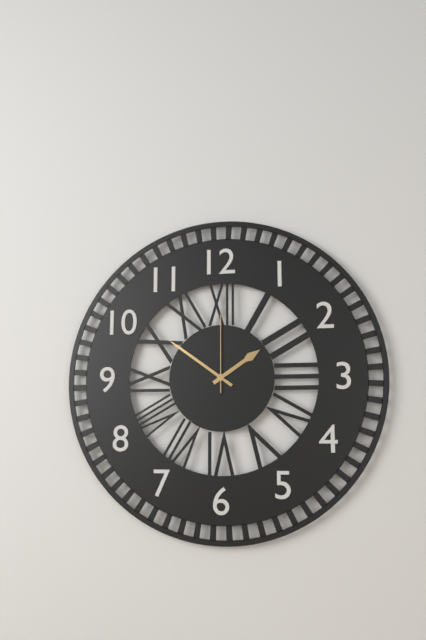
1 h 51 min 00 s
